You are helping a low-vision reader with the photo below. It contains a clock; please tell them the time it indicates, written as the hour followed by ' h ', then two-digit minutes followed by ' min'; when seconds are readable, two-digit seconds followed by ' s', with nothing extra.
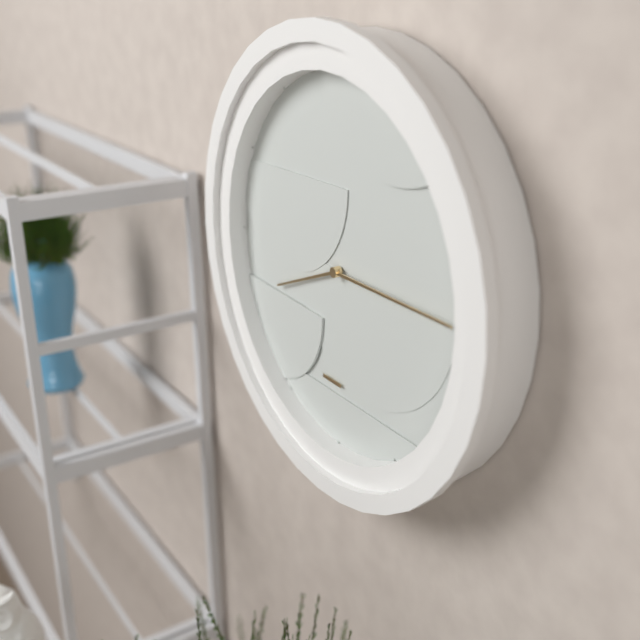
8 h 15 min
